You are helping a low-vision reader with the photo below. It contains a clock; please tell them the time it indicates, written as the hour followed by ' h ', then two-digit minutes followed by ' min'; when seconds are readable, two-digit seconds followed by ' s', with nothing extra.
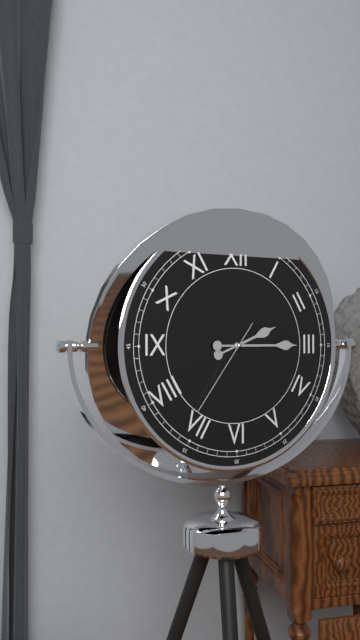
2 h 15 min 36 s
